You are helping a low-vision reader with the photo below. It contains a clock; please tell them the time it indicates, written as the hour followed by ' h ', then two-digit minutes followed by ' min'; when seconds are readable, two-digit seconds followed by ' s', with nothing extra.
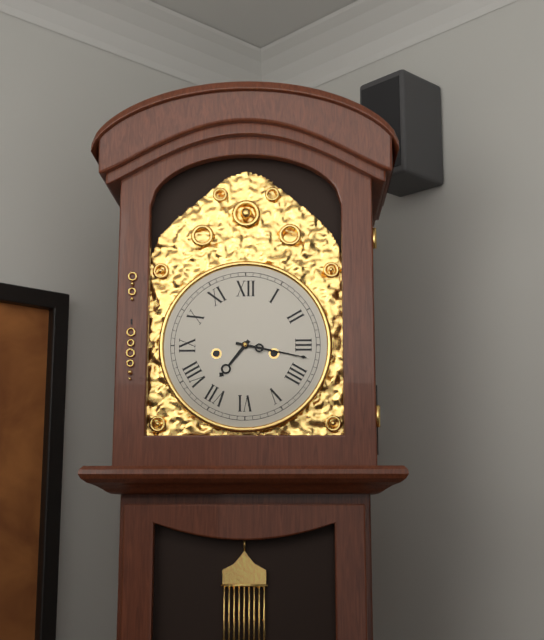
7 h 17 min
